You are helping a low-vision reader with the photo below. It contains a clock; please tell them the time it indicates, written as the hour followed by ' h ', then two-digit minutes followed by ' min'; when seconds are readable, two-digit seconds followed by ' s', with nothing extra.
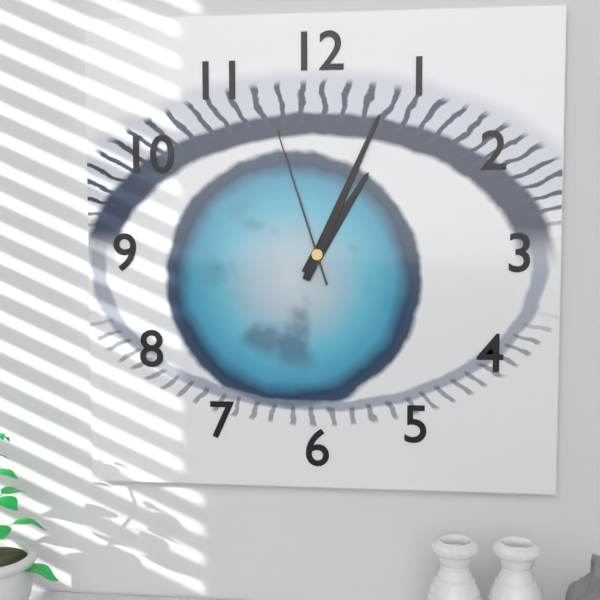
1 h 04 min 57 s
